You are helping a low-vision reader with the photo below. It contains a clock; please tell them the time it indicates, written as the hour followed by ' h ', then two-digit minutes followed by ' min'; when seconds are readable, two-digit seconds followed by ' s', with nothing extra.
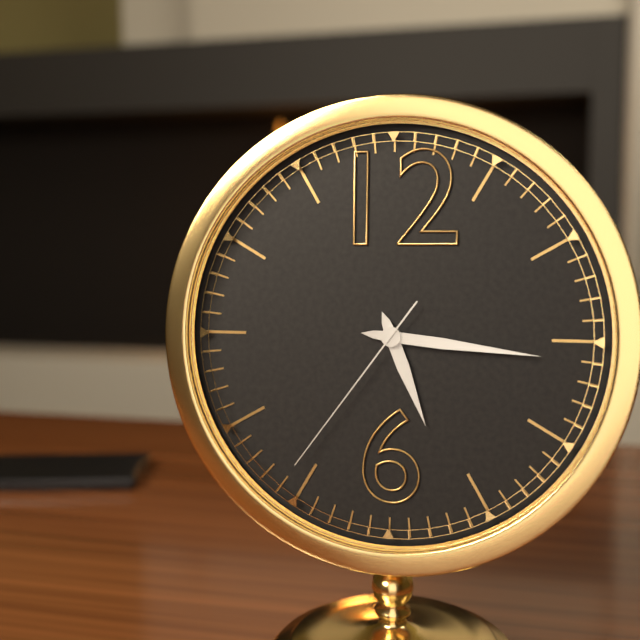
5 h 16 min 36 s
